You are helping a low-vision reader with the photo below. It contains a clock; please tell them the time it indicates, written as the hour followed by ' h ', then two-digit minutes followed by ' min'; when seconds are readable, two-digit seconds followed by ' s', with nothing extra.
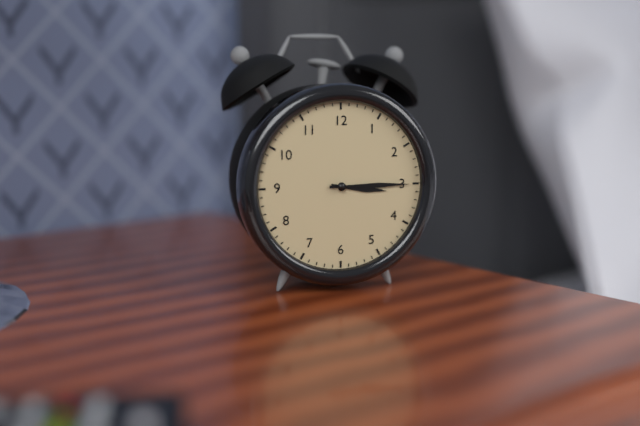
3 h 15 min
